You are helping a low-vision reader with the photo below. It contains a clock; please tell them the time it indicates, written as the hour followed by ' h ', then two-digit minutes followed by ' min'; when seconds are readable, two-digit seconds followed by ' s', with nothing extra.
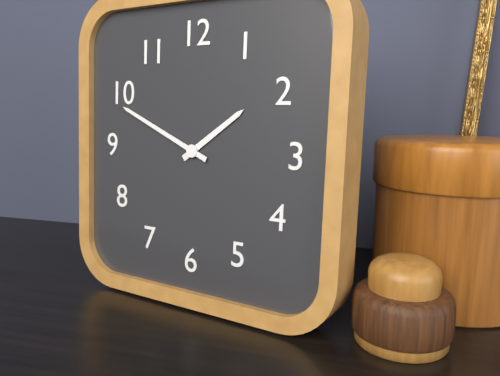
1 h 49 min
